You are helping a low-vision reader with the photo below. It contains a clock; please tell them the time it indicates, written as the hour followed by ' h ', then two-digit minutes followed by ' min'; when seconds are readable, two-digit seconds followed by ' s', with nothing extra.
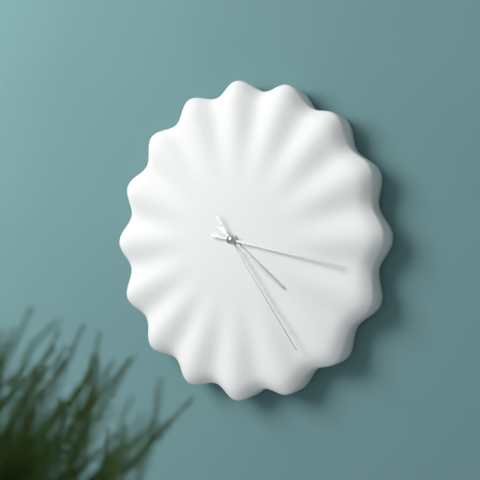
4 h 17 min 24 s
